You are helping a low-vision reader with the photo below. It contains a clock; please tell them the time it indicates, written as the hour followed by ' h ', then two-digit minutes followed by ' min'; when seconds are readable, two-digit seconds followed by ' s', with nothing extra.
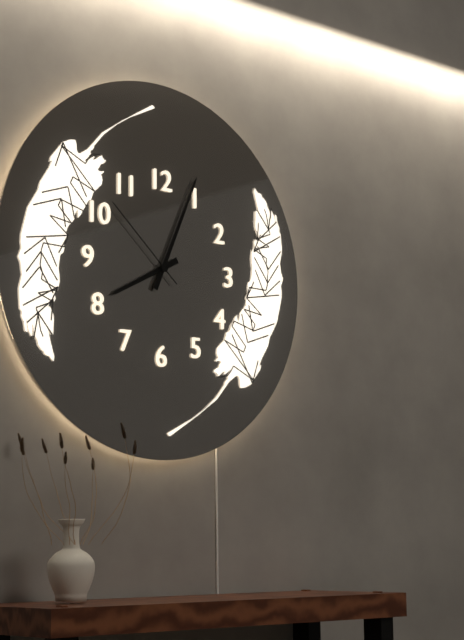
8 h 04 min 52 s
